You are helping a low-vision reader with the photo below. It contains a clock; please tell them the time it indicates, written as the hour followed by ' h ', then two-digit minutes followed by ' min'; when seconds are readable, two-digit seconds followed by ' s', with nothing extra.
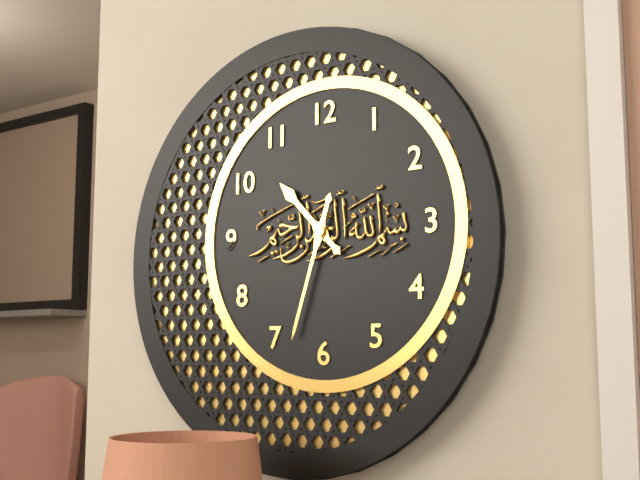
10 h 33 min
